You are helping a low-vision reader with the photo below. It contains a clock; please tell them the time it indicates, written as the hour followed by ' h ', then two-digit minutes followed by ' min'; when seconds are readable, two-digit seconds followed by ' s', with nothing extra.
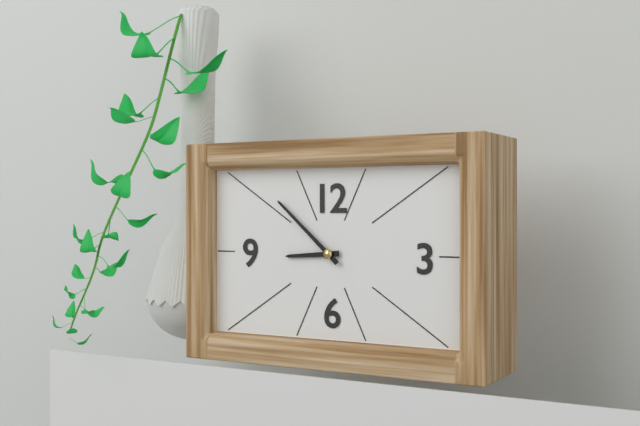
8 h 52 min
